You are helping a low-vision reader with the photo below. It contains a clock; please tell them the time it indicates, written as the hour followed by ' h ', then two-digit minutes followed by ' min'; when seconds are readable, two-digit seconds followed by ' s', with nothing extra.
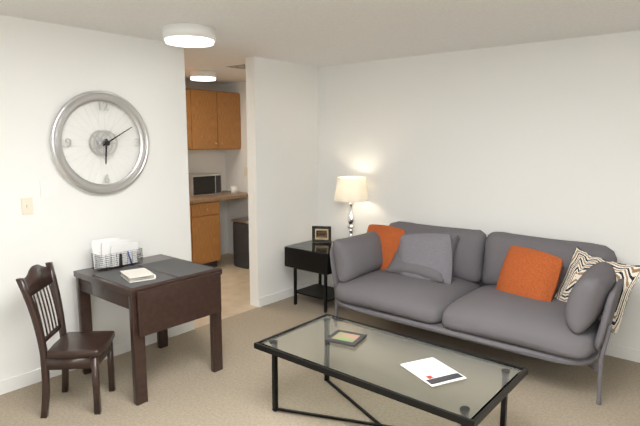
6 h 10 min
